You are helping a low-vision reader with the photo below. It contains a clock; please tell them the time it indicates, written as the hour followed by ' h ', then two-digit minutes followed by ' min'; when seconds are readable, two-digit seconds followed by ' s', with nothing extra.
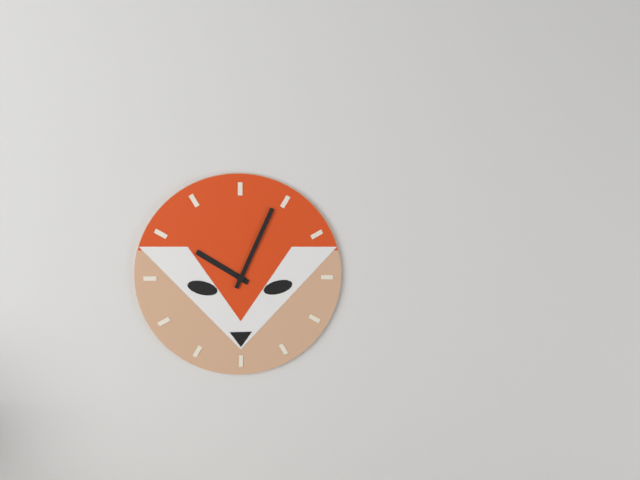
10 h 04 min
